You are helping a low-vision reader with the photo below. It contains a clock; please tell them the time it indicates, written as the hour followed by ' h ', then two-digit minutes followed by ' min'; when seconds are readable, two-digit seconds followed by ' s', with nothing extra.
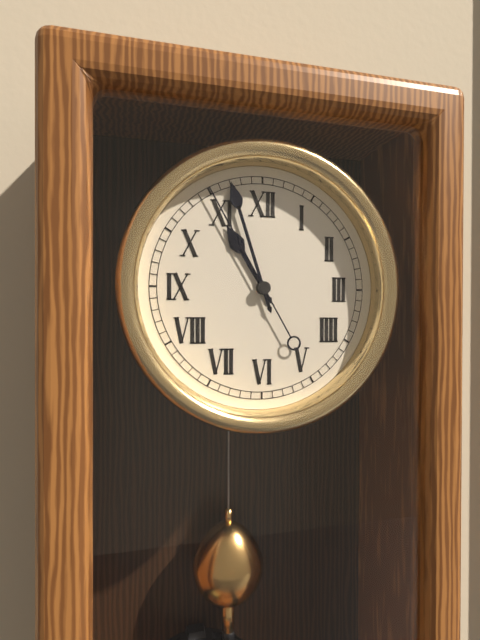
10 h 57 min 55 s
